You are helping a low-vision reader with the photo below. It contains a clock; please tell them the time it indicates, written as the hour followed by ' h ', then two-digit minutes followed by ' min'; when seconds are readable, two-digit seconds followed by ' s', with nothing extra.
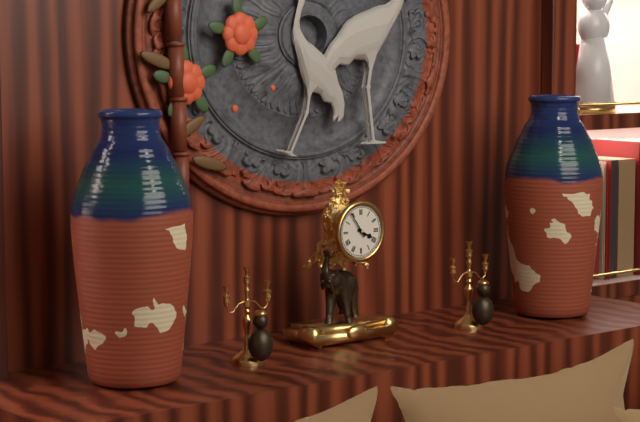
3 h 54 min
